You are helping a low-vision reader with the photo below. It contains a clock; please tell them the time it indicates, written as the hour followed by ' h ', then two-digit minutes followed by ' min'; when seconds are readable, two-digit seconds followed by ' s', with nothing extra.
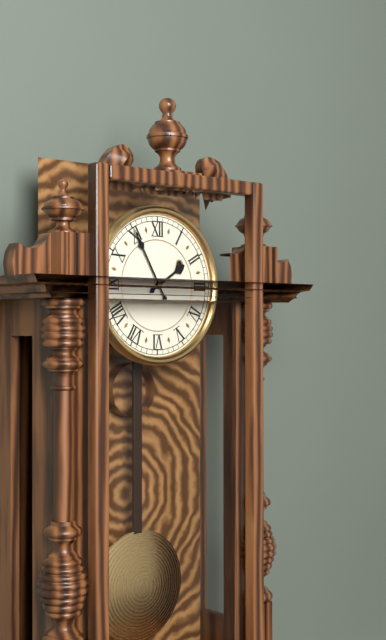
1 h 55 min
